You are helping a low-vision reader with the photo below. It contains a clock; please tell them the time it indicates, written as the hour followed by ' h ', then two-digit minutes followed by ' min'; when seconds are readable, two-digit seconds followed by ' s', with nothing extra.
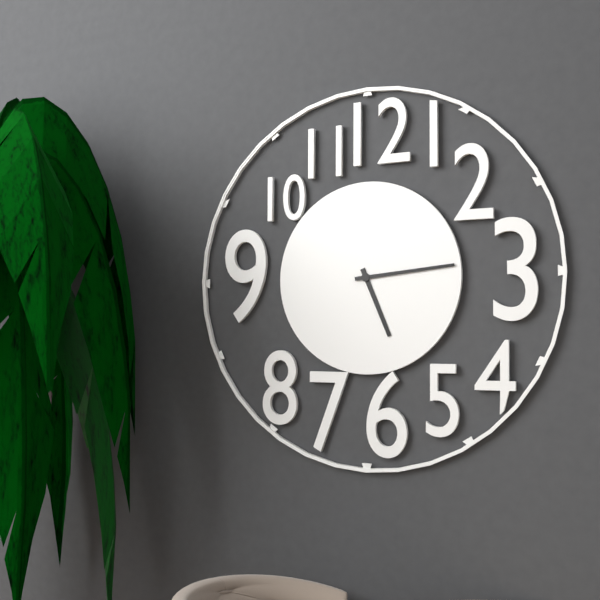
5 h 14 min
